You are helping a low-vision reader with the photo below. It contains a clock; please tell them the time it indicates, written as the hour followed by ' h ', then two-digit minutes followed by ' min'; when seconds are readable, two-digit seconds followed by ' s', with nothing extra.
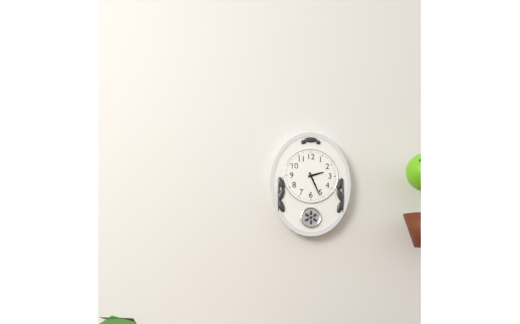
2 h 26 min
